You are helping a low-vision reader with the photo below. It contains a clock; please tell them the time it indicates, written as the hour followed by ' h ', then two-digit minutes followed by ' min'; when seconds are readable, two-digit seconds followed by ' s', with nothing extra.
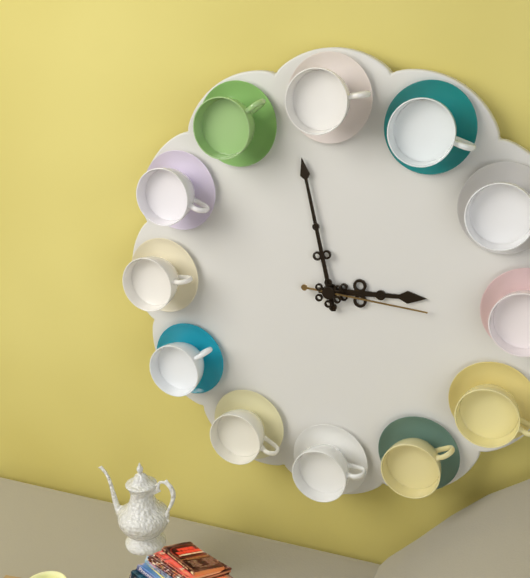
2 h 58 min 16 s
